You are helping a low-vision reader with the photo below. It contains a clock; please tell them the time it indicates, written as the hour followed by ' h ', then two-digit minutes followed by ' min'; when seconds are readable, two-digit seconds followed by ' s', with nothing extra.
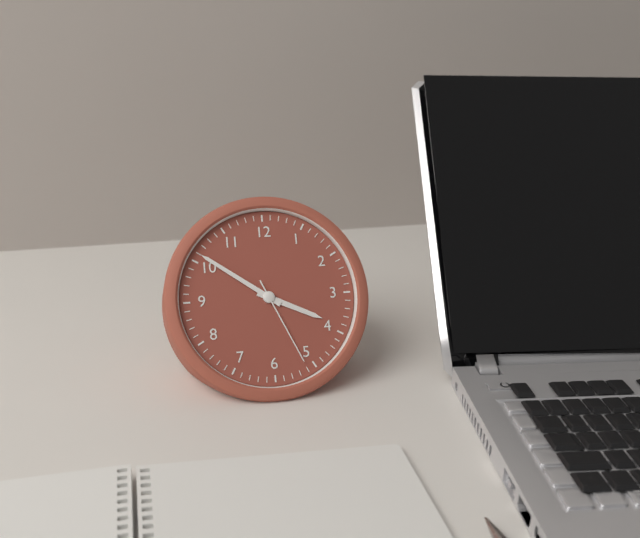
3 h 51 min 26 s
